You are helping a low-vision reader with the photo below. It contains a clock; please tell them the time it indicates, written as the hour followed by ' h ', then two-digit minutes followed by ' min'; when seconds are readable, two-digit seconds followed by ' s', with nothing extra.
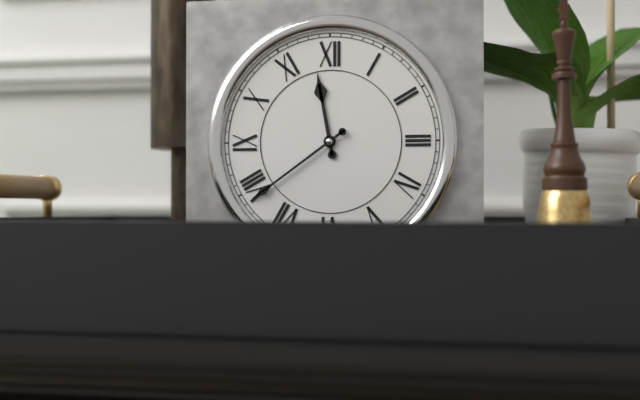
11 h 39 min
